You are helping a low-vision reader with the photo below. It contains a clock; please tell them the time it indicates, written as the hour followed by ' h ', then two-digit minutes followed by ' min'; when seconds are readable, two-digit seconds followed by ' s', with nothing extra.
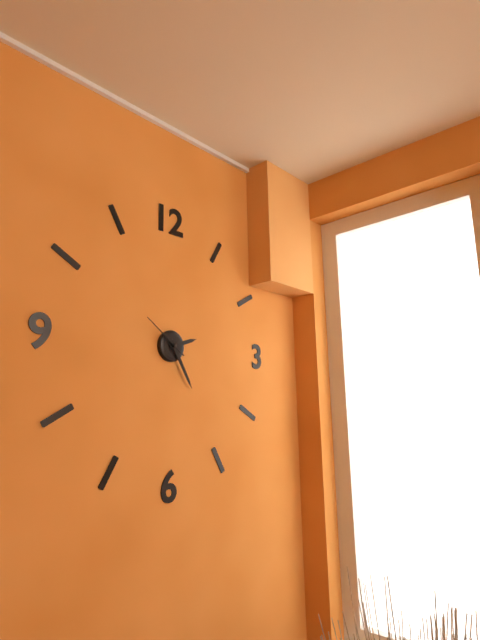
2 h 25 min
